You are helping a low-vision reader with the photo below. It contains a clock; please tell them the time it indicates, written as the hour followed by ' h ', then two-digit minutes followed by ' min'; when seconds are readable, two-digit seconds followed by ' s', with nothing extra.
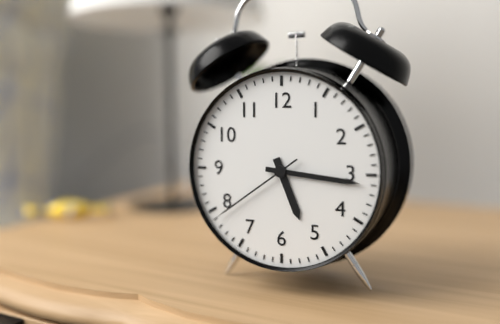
5 h 16 min 39 s
